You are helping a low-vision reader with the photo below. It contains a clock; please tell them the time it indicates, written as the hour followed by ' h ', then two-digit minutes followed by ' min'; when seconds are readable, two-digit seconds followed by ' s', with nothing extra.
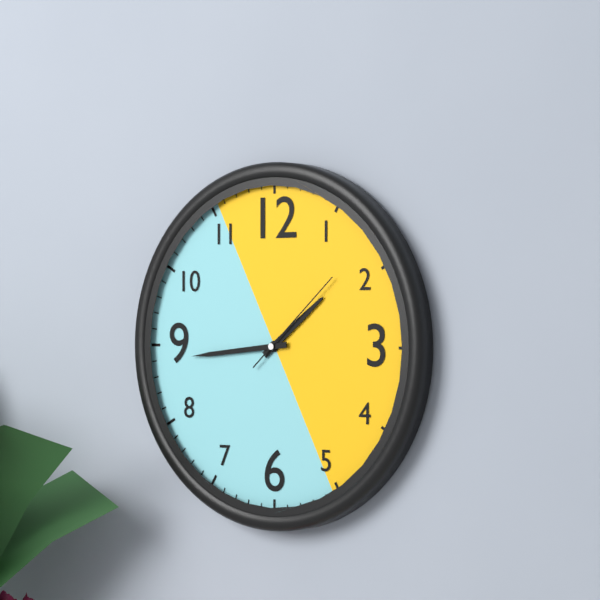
1 h 44 min 08 s
